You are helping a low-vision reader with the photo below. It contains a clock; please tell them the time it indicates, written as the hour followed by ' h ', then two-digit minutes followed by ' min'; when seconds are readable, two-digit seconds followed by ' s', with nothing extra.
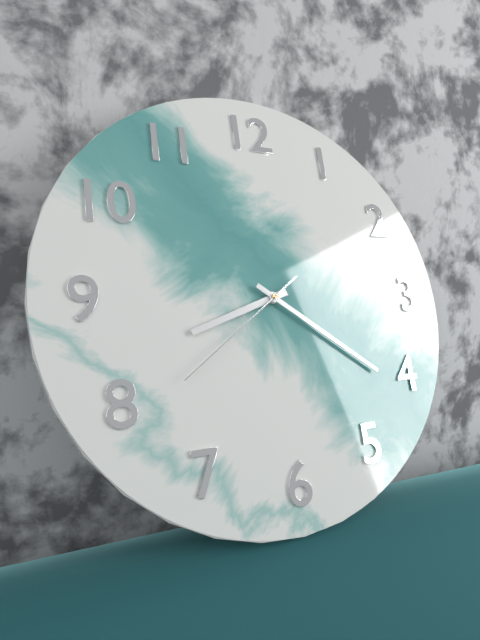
8 h 21 min 39 s
